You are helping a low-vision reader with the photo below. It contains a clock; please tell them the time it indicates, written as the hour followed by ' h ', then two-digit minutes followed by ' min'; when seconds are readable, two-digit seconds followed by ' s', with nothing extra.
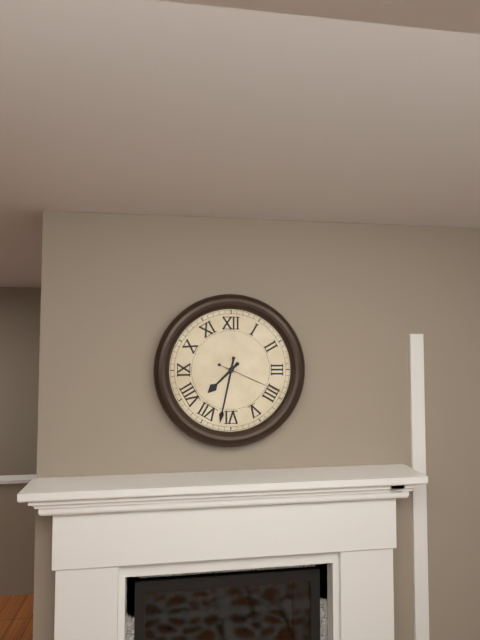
7 h 32 min 19 s
